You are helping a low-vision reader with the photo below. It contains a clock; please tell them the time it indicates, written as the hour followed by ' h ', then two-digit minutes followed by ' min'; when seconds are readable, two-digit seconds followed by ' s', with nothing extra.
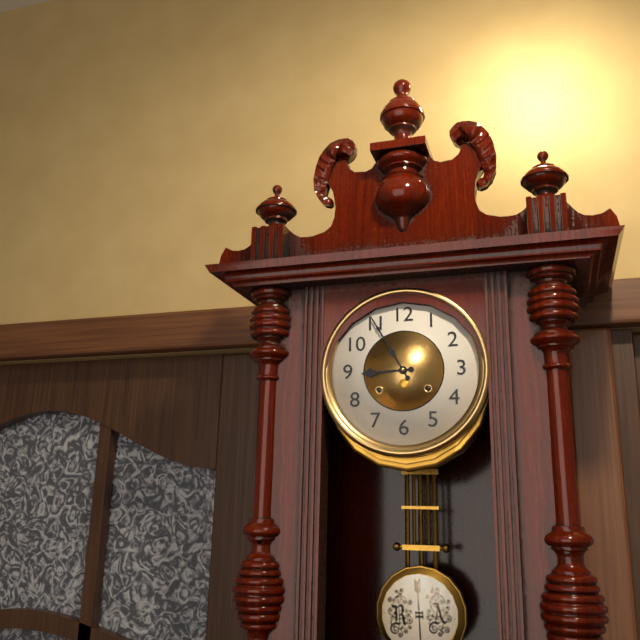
8 h 55 min
